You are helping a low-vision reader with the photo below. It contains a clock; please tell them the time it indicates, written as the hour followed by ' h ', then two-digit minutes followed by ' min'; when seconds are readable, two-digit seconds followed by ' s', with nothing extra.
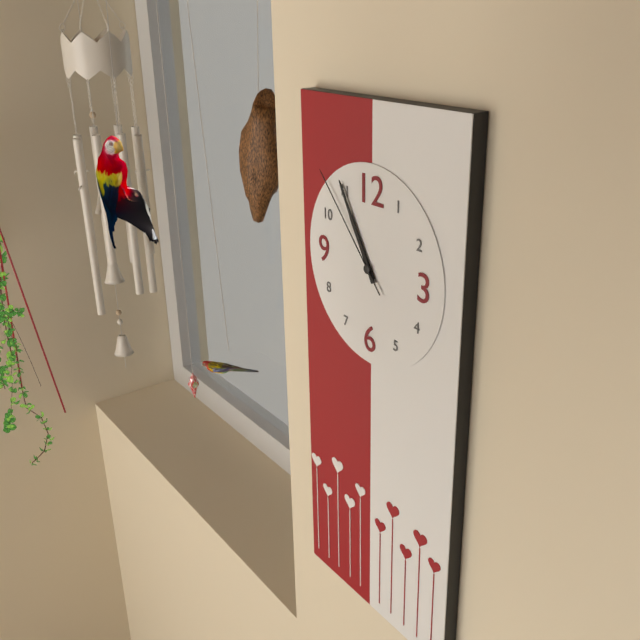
10 h 55 min 53 s
